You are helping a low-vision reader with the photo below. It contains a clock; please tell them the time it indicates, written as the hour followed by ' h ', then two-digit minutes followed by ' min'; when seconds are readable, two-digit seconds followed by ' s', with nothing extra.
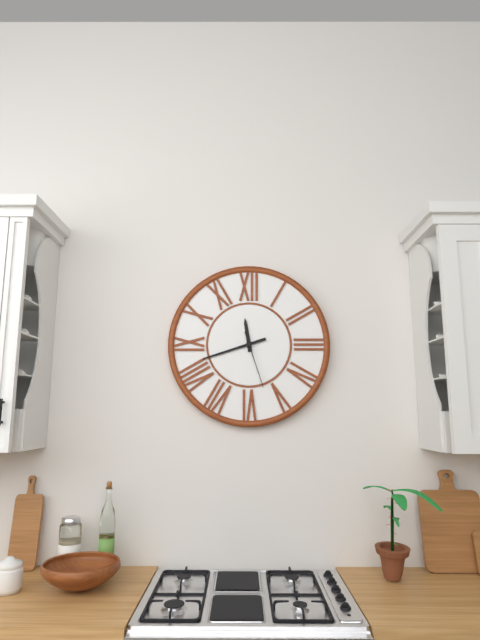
11 h 42 min 27 s
